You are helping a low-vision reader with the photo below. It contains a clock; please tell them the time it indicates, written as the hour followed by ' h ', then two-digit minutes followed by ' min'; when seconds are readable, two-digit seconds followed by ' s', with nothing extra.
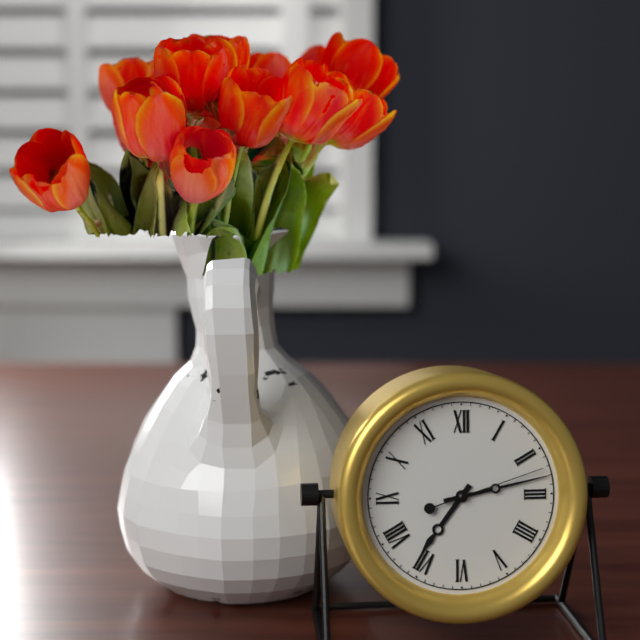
7 h 13 min 12 s
